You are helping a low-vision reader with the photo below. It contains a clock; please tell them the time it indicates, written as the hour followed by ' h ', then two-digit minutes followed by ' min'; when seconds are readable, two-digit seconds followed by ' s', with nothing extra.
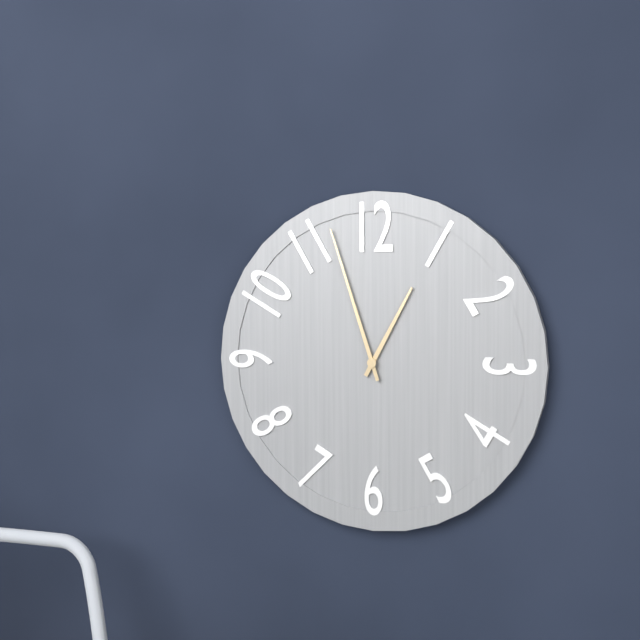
12 h 57 min
